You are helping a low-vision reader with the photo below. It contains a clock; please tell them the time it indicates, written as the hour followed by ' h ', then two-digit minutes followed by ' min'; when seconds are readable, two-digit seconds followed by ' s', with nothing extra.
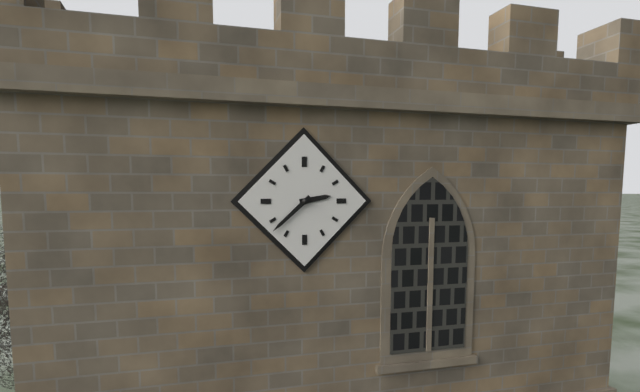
2 h 38 min
